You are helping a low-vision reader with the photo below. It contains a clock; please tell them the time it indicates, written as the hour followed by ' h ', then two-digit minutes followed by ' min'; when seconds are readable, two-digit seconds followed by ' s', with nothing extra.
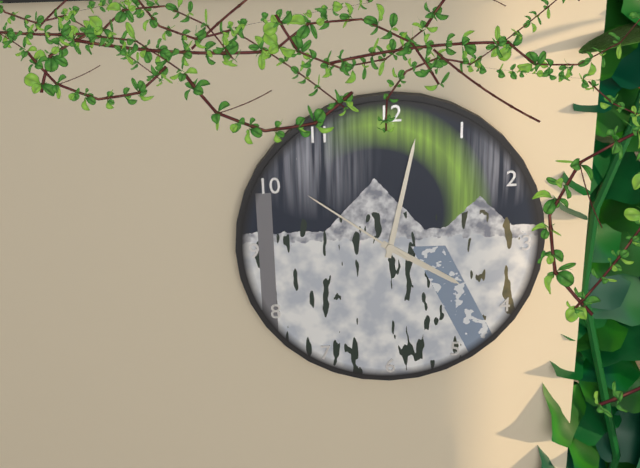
4 h 02 min 51 s
